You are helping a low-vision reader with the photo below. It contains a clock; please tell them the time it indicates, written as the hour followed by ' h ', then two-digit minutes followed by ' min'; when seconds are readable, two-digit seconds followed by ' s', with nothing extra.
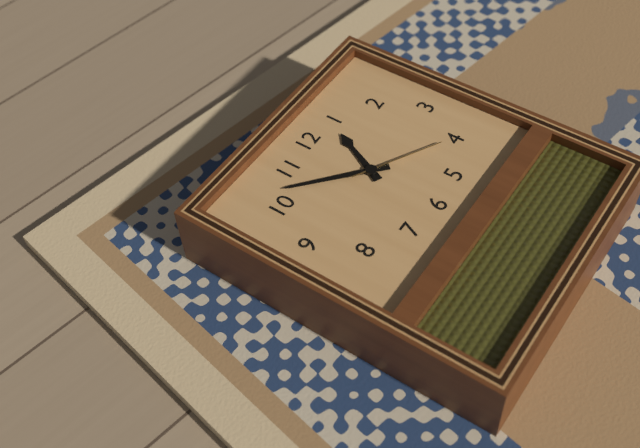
12 h 52 min 20 s
